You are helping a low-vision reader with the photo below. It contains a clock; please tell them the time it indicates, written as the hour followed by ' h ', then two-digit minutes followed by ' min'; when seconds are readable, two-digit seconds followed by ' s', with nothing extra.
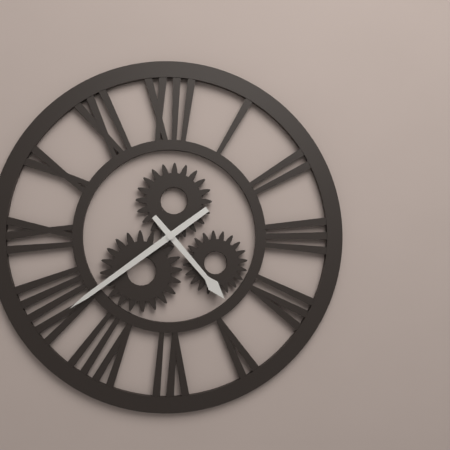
4 h 39 min
